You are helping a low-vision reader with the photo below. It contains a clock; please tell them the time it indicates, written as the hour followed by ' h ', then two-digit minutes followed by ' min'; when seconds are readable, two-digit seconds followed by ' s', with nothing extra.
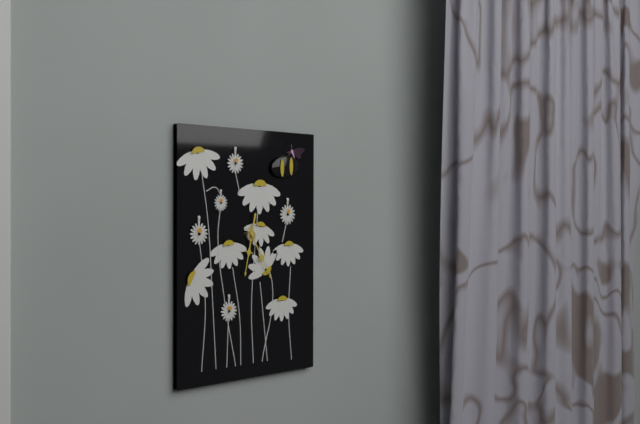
6 h 25 min
